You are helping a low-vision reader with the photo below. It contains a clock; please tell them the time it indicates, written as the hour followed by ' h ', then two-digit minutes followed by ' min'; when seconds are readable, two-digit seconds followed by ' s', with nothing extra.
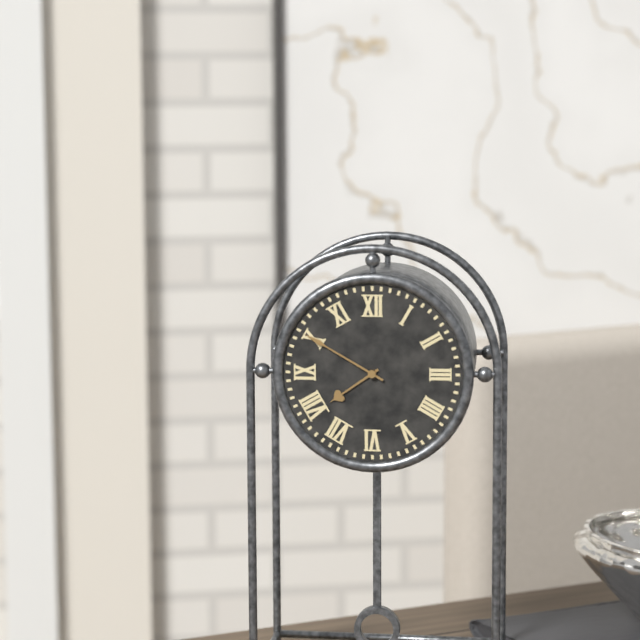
7 h 50 min
